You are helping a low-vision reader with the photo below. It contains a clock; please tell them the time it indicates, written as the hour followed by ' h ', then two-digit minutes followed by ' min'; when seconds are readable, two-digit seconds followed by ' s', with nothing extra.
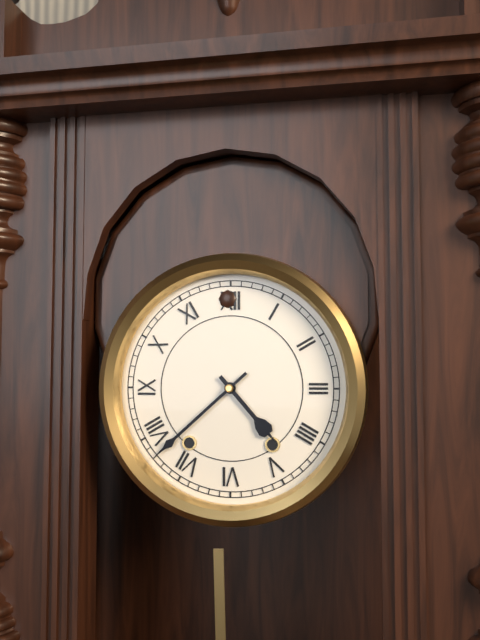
4 h 38 min
